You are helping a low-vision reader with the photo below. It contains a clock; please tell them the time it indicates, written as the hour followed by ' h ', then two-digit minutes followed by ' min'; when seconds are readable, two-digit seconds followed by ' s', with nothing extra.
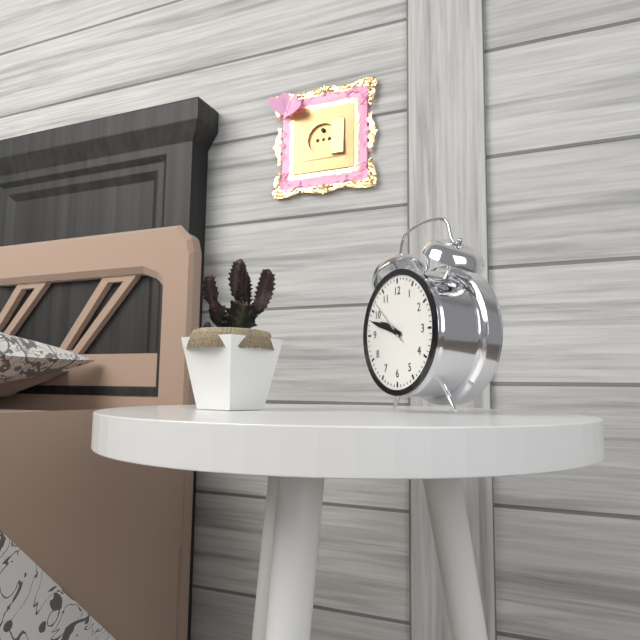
9 h 48 min
